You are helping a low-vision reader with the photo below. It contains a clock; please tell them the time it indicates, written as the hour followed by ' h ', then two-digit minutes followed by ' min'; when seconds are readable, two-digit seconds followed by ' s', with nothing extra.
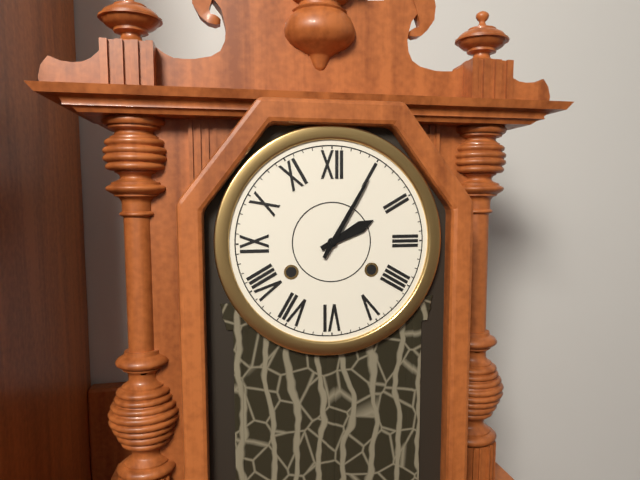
2 h 05 min
